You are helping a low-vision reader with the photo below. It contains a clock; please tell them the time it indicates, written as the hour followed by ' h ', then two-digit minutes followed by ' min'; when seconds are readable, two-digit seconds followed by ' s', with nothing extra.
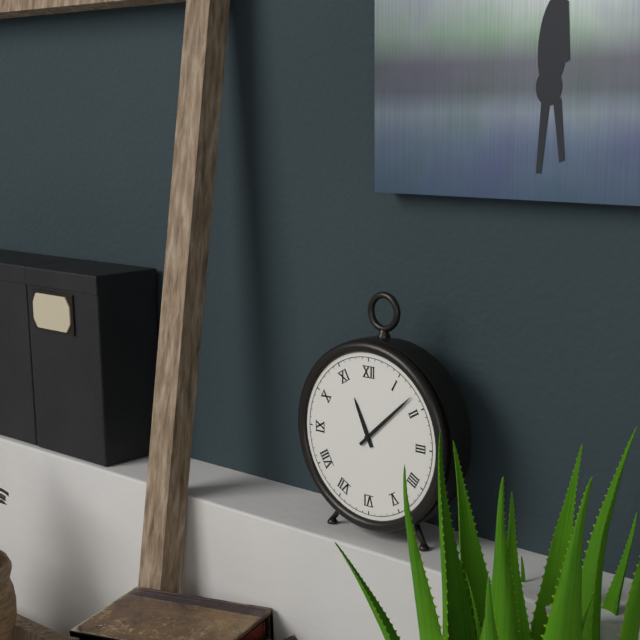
11 h 08 min
